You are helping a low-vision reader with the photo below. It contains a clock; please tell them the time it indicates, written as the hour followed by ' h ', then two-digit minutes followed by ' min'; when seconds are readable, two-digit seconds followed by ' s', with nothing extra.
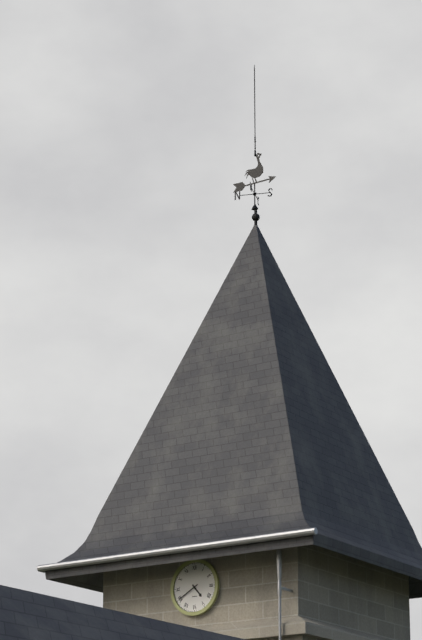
4 h 40 min
